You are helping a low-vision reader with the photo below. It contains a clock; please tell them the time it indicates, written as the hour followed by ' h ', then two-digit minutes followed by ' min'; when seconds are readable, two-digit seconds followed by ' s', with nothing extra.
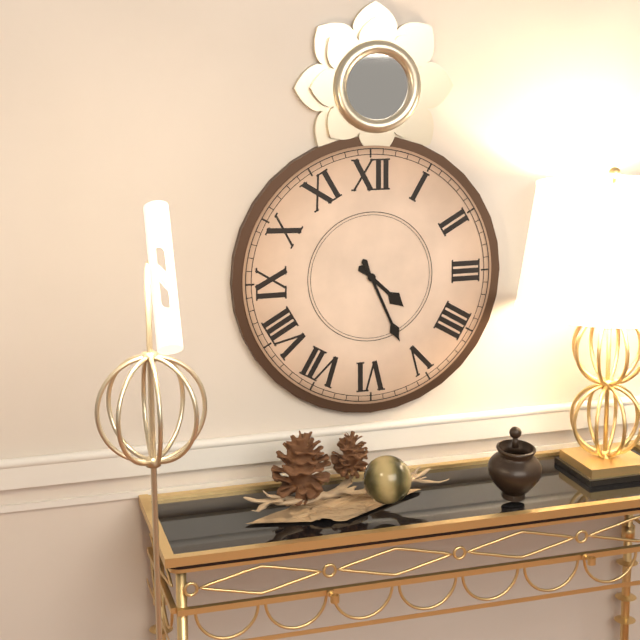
4 h 26 min
